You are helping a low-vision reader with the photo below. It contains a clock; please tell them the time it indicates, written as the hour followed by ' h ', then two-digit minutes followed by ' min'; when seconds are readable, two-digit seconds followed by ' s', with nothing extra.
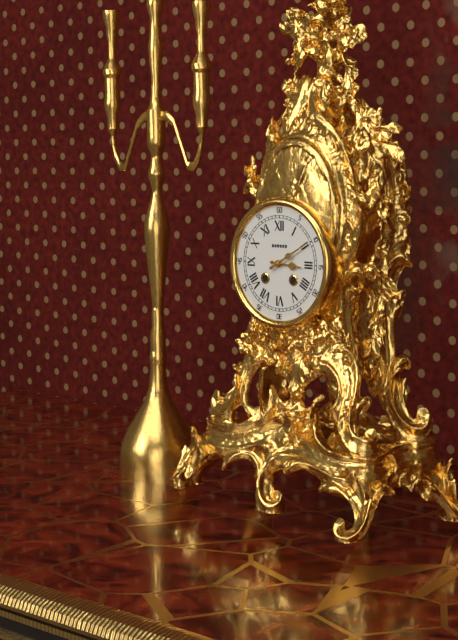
3 h 10 min
